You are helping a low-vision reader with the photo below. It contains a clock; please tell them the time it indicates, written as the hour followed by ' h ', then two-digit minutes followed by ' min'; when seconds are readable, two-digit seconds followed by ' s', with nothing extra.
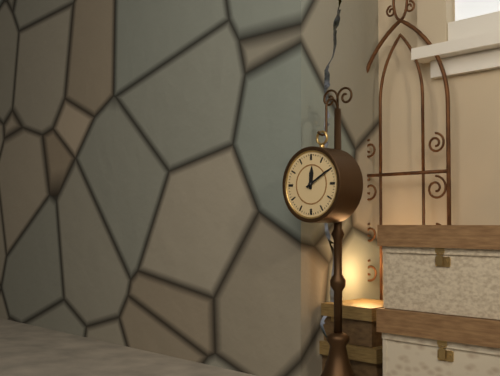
12 h 10 min
